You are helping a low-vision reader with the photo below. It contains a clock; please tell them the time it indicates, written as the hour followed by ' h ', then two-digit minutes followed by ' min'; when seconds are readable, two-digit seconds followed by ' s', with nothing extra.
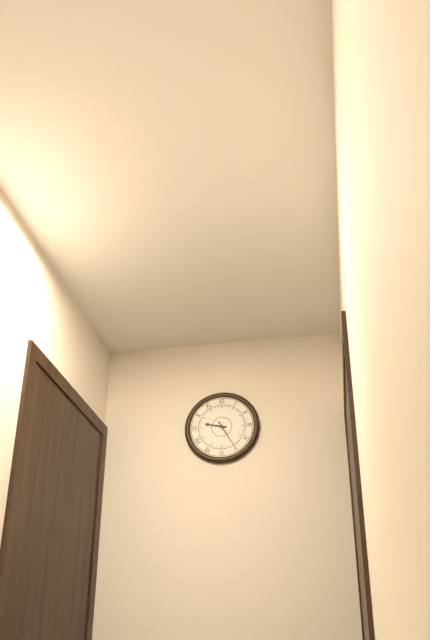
9 h 25 min
